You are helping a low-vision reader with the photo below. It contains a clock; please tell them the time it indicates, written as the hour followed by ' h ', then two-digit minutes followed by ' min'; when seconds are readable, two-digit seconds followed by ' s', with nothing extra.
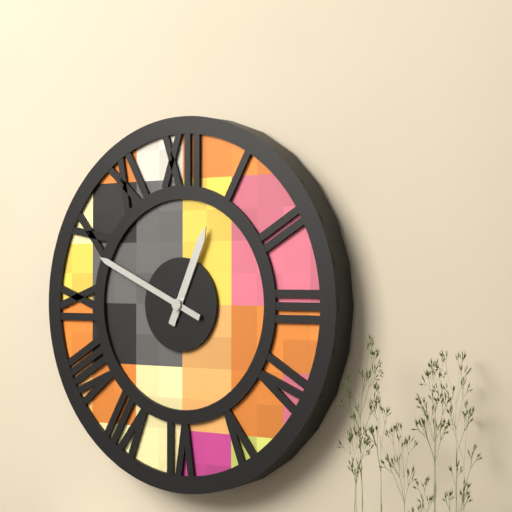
12 h 49 min
